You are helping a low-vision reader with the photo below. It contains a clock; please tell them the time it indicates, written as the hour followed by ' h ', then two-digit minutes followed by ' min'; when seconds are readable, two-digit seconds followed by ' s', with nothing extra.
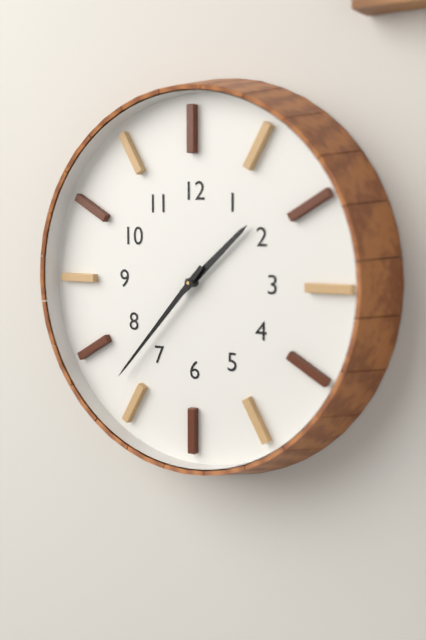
1 h 37 min
